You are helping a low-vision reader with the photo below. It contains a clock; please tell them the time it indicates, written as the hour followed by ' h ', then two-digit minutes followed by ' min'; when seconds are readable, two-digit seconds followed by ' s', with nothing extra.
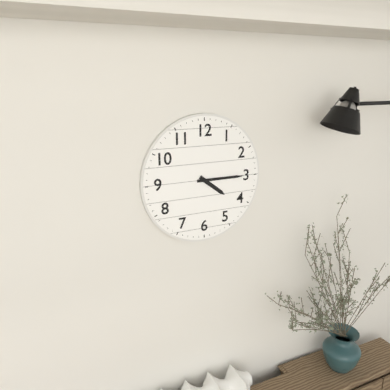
4 h 15 min
